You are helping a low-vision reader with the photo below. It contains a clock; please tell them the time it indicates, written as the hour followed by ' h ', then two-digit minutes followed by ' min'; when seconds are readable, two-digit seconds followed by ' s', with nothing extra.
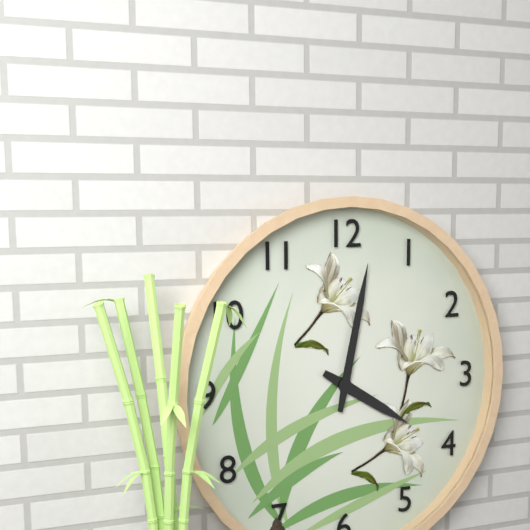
4 h 02 min
